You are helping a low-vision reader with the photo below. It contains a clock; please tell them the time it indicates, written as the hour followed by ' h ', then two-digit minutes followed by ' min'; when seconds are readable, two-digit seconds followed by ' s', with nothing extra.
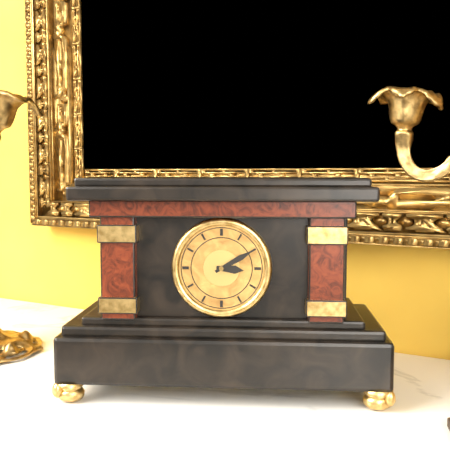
3 h 10 min
